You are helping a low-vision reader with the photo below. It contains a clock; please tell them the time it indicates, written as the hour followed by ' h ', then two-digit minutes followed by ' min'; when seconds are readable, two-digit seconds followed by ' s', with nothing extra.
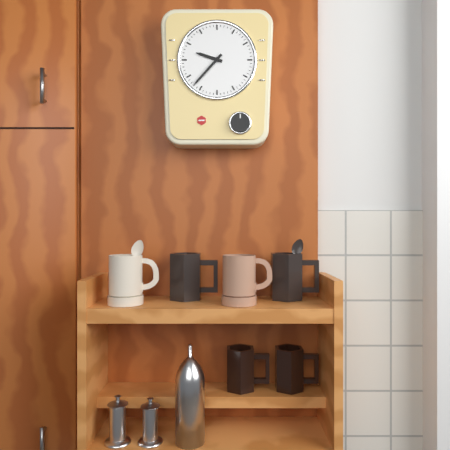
9 h 37 min
